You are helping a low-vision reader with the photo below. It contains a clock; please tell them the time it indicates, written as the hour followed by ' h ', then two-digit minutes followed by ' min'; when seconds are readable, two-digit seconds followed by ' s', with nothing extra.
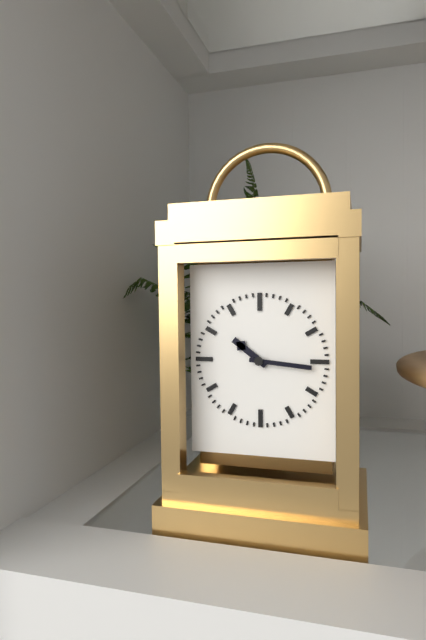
10 h 16 min
